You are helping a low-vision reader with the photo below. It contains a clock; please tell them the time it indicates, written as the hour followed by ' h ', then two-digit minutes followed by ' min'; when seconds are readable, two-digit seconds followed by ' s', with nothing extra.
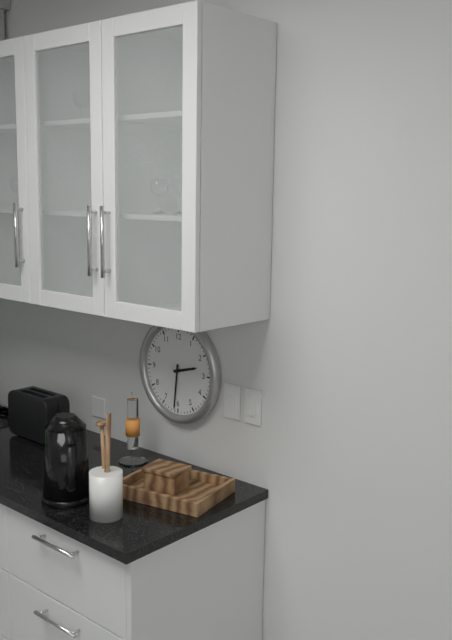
2 h 31 min
